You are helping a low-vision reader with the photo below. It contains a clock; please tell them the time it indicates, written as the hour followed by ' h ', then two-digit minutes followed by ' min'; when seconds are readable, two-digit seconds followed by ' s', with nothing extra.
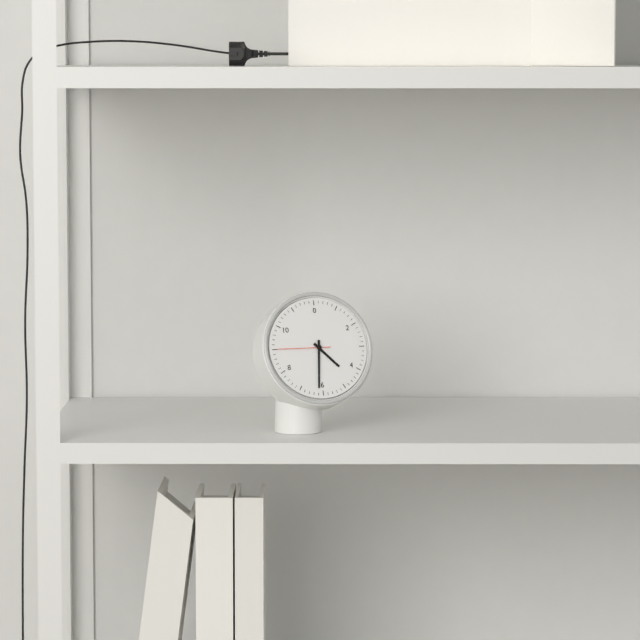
4 h 31 min 45 s
